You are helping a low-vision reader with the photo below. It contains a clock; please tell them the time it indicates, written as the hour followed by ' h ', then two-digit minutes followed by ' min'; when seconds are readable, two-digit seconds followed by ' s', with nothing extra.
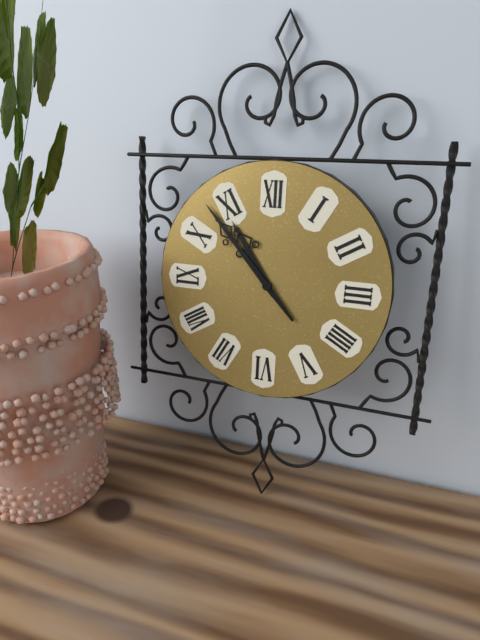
10 h 53 min
